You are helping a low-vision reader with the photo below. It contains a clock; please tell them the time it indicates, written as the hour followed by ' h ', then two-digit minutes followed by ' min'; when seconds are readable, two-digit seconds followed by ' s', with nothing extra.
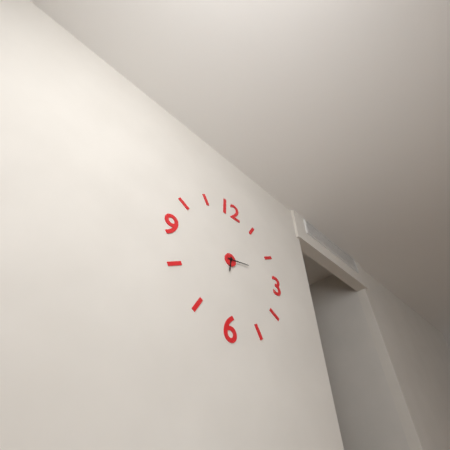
6 h 13 min
